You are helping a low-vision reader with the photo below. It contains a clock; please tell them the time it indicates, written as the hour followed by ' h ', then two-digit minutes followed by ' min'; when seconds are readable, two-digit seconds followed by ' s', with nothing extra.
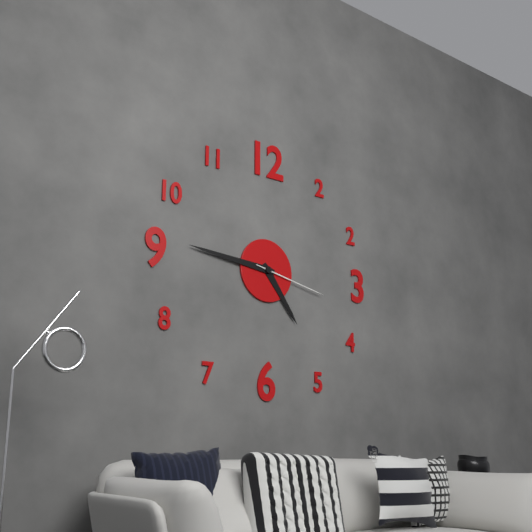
4 h 46 min 17 s
